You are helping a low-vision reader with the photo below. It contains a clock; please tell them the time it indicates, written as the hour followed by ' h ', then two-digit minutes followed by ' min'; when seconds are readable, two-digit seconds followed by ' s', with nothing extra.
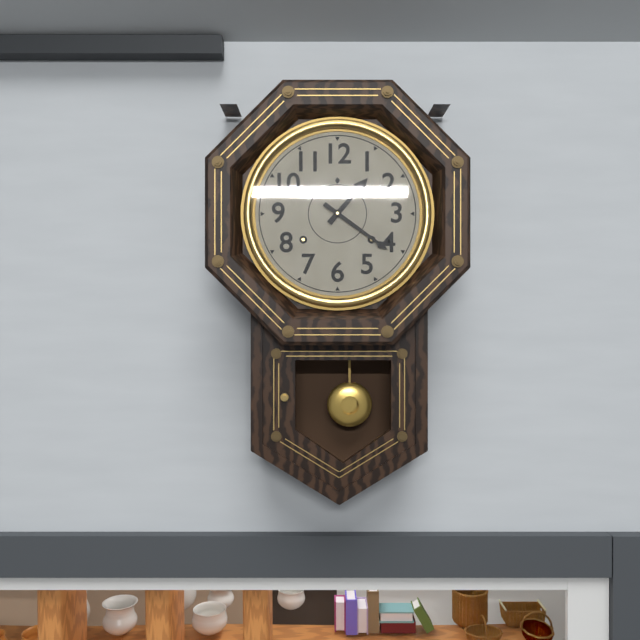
1 h 21 min
